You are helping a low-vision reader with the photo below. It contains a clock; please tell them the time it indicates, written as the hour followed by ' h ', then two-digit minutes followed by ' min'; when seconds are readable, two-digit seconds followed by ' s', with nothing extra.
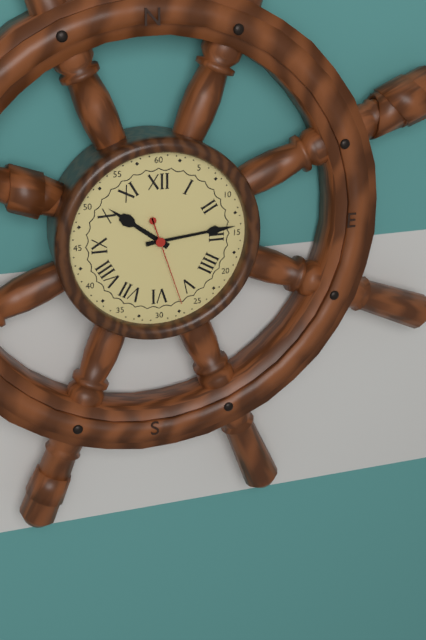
10 h 14 min 27 s
